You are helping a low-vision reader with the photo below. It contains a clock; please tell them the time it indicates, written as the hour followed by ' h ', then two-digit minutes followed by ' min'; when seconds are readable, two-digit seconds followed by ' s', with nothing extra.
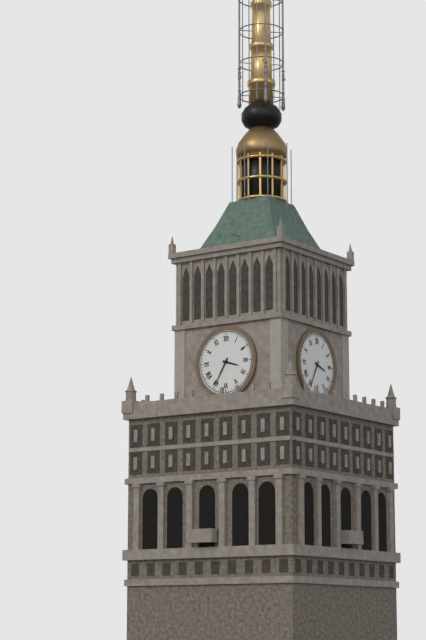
3 h 35 min
